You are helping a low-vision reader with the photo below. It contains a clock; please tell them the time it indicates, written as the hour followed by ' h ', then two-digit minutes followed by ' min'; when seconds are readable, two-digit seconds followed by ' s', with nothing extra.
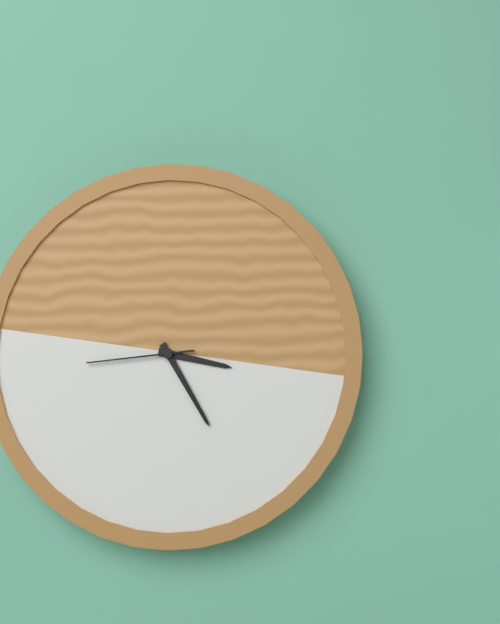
3 h 25 min 44 s
